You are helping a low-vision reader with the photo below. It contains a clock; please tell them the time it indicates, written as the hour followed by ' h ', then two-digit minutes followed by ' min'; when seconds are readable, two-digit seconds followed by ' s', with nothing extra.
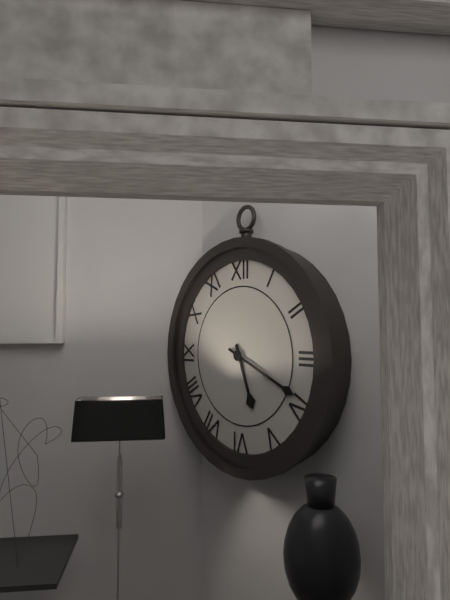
5 h 19 min
